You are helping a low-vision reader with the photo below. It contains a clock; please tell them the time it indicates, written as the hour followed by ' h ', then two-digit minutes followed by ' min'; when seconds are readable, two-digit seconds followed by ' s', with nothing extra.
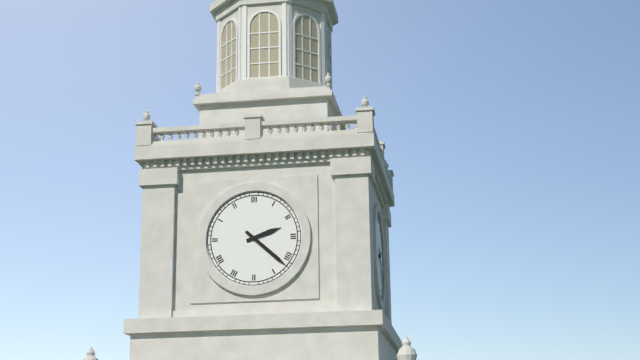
2 h 22 min
